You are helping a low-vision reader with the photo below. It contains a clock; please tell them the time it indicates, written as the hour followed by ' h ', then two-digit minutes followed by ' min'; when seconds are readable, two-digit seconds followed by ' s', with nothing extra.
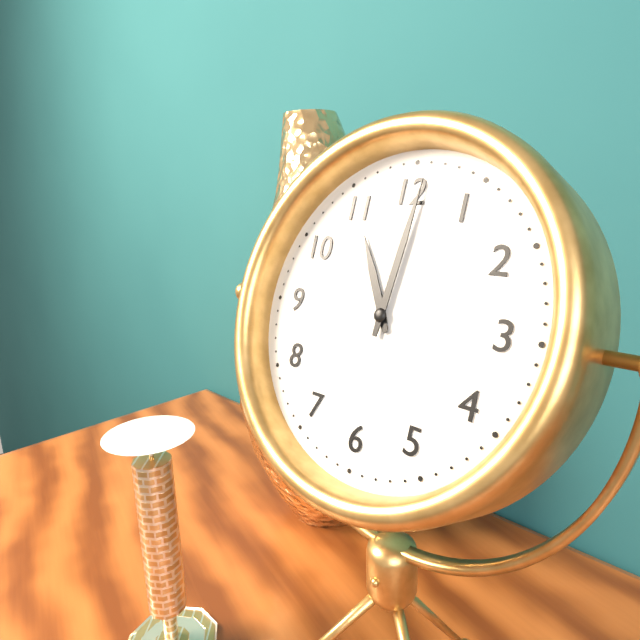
11 h 01 min
